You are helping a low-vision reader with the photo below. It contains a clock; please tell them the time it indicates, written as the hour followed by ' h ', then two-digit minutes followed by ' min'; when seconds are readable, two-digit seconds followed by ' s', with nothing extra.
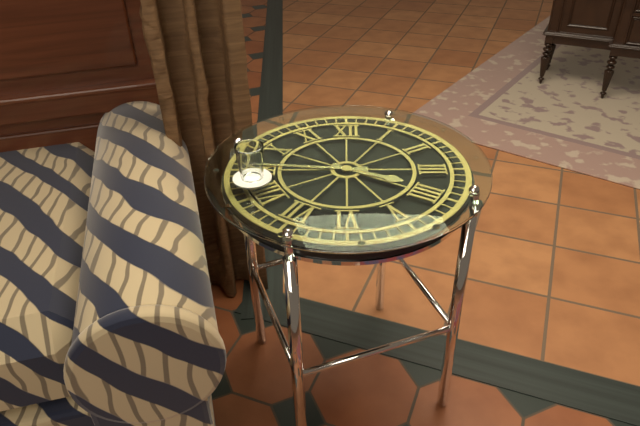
3 h 46 min
